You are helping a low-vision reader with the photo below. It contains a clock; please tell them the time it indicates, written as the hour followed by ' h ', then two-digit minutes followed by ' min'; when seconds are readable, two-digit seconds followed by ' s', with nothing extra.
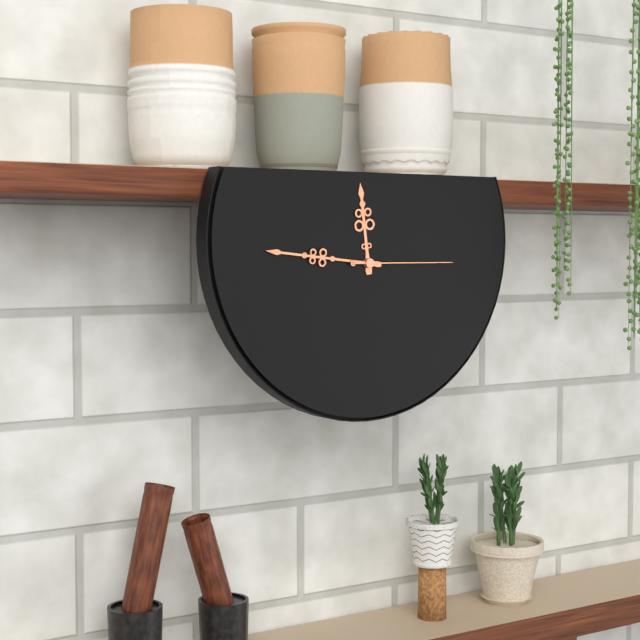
11 h 46 min 15 s
